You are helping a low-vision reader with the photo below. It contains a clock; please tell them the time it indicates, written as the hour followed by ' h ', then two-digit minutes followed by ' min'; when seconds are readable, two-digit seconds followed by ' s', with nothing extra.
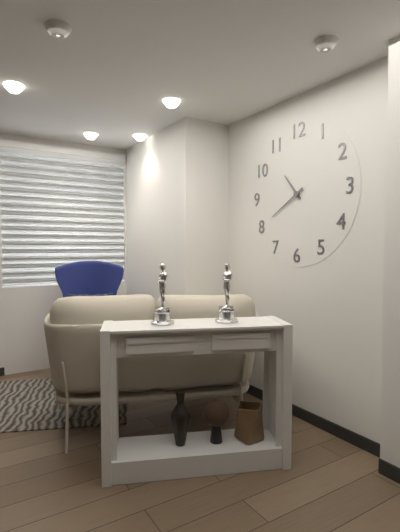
10 h 40 min
